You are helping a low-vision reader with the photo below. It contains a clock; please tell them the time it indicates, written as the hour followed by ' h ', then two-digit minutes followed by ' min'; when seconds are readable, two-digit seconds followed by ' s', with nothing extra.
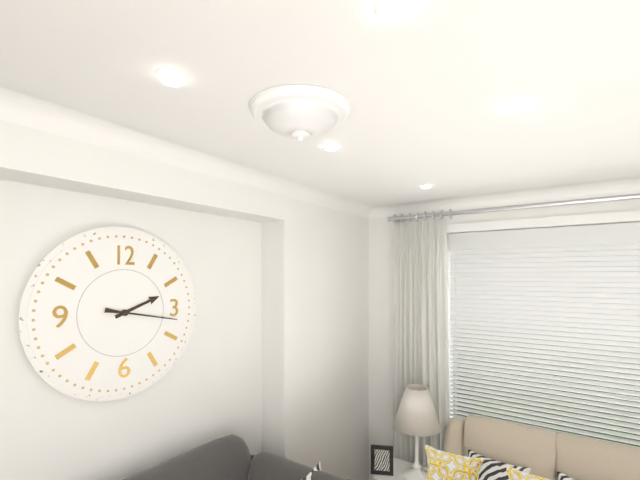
2 h 17 min
